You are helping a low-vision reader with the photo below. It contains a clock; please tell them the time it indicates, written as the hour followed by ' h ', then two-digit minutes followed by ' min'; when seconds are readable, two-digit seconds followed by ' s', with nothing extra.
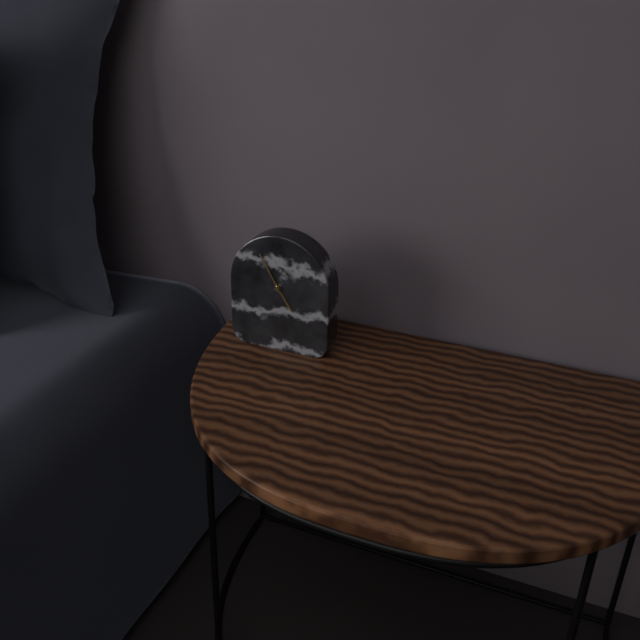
4 h 55 min
